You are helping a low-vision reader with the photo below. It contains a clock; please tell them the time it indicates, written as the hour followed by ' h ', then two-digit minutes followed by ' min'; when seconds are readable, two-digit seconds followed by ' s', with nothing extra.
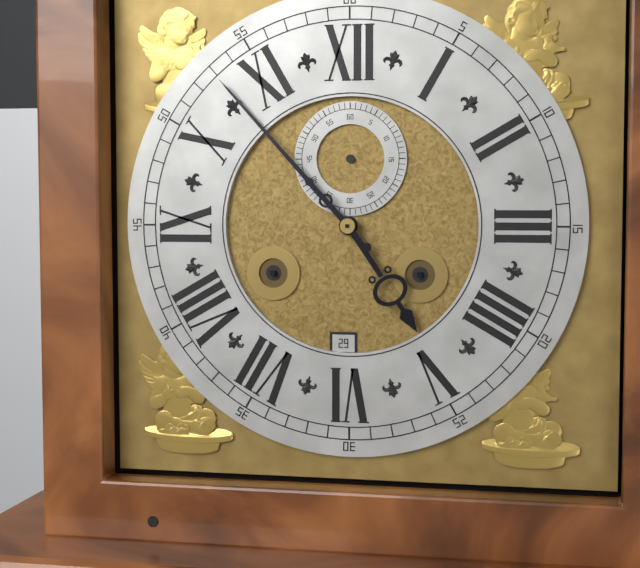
4 h 53 min
